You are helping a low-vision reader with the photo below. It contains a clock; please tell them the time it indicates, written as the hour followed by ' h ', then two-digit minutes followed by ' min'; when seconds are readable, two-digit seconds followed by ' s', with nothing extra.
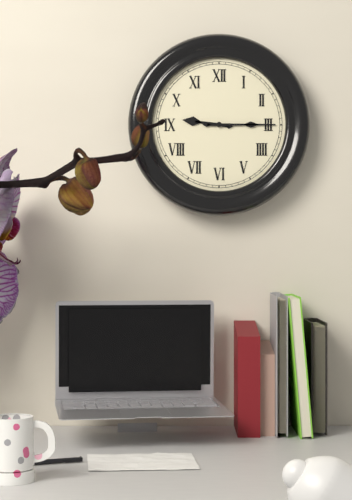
9 h 15 min
